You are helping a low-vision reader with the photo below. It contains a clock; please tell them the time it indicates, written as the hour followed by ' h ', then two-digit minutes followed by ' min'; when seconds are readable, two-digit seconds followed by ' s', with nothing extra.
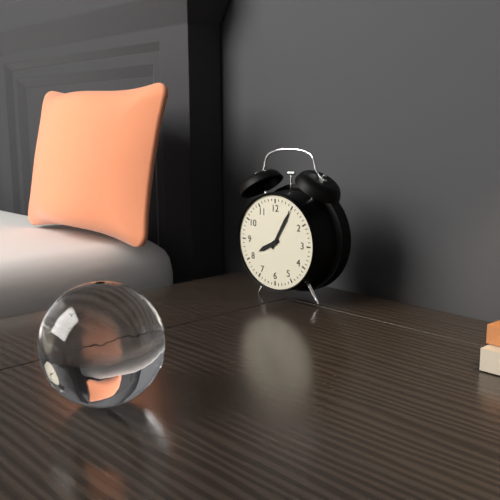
8 h 05 min
